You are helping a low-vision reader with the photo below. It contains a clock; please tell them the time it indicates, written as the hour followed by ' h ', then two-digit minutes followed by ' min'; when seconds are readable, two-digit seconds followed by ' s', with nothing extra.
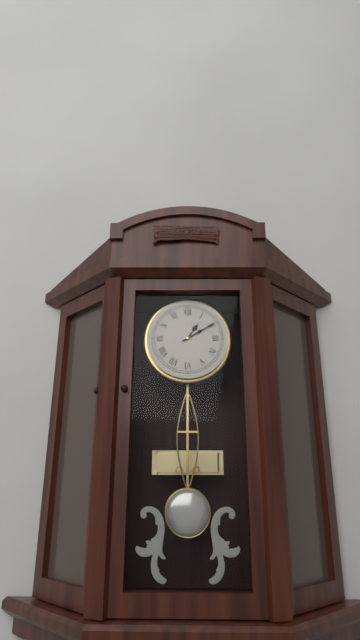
1 h 10 min
